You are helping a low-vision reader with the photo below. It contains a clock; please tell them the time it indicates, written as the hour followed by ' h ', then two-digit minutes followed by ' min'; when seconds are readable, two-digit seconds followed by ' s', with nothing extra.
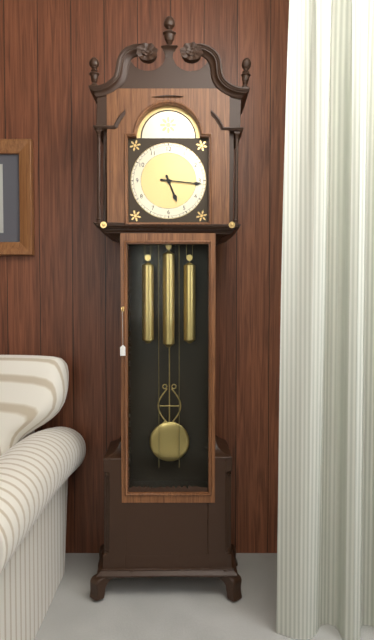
5 h 16 min
